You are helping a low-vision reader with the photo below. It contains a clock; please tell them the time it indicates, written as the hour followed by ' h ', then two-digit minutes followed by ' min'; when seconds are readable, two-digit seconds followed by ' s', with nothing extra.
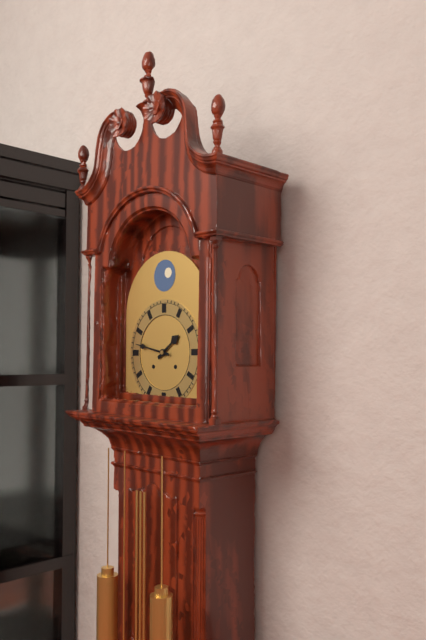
1 h 47 min
